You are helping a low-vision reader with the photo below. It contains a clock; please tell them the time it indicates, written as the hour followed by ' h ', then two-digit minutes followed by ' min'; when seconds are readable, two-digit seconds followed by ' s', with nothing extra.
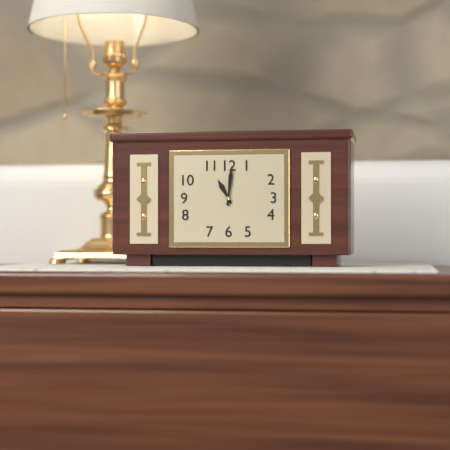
11 h 01 min
